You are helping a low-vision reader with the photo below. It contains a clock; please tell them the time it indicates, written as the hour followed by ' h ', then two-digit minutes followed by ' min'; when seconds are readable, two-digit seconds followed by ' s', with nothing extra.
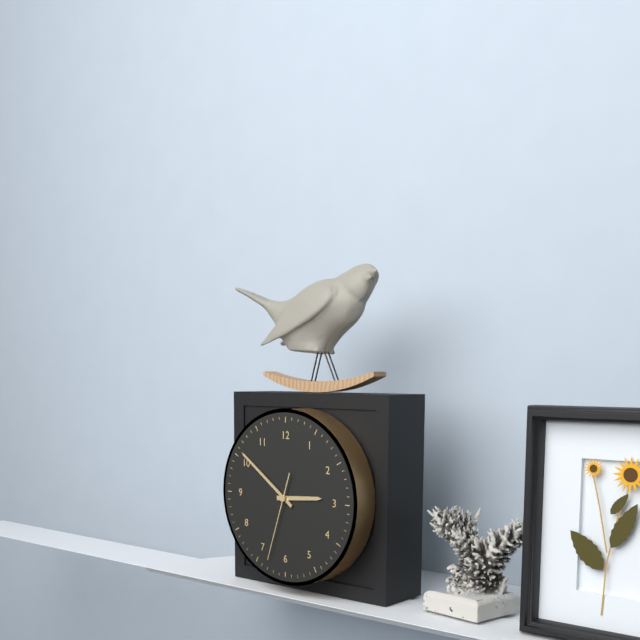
2 h 51 min 33 s
